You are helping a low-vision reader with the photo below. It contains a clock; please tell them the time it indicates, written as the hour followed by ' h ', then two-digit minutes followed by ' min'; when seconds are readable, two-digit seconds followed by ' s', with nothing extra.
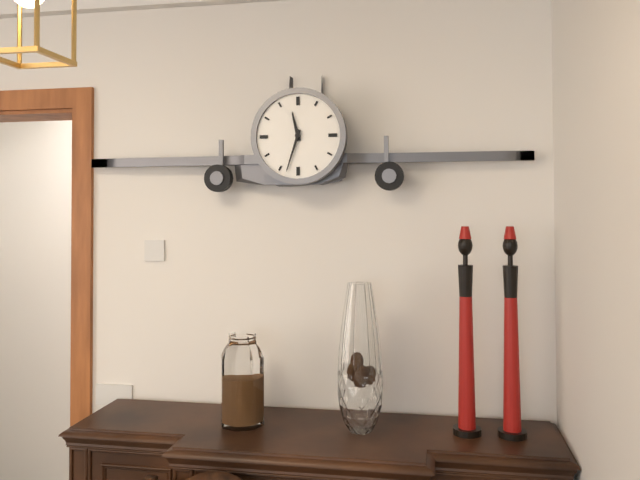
11 h 33 min
